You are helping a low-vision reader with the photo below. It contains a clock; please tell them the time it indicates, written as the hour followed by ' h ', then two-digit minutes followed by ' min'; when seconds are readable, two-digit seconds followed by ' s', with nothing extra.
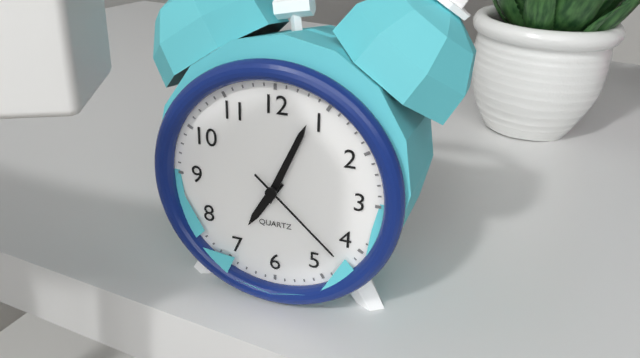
7 h 04 min 22 s
